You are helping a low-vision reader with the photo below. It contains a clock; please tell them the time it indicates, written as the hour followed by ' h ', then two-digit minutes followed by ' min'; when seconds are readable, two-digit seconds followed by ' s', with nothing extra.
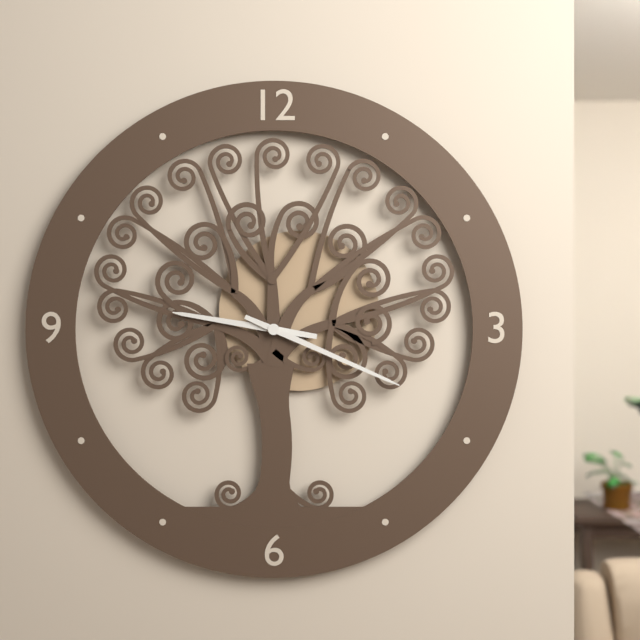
9 h 19 min
